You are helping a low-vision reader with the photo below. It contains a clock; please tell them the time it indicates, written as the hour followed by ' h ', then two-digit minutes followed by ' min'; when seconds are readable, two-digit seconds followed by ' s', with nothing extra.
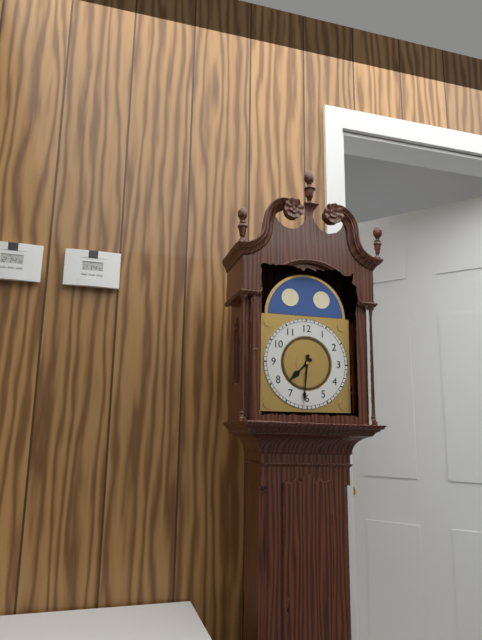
7 h 31 min
